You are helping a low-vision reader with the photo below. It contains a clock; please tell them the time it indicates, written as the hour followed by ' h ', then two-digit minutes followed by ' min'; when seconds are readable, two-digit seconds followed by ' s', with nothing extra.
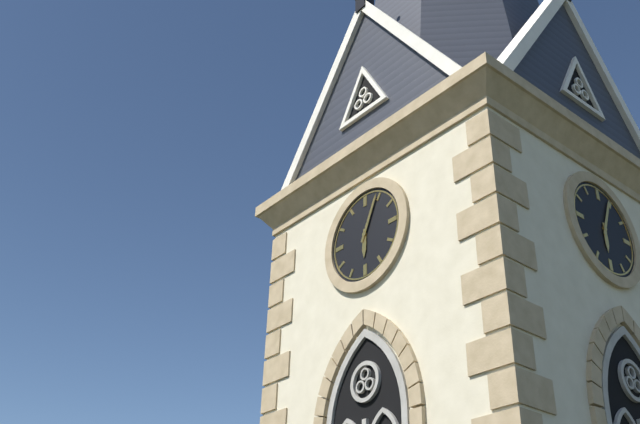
6 h 04 min
